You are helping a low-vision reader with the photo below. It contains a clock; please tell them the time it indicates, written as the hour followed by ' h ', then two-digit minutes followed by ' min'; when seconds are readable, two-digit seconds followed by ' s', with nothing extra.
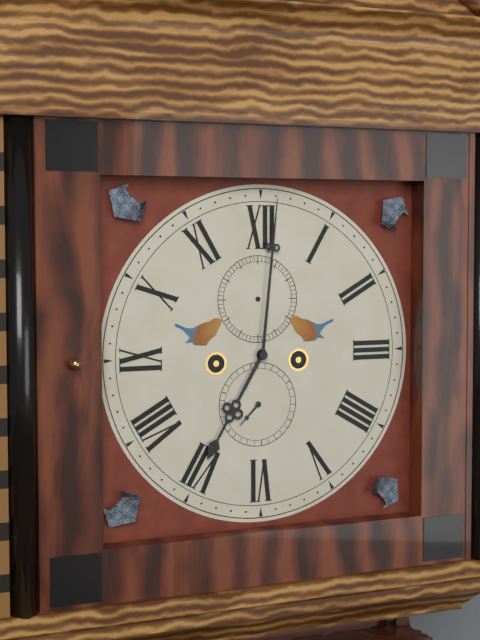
7 h 01 min
